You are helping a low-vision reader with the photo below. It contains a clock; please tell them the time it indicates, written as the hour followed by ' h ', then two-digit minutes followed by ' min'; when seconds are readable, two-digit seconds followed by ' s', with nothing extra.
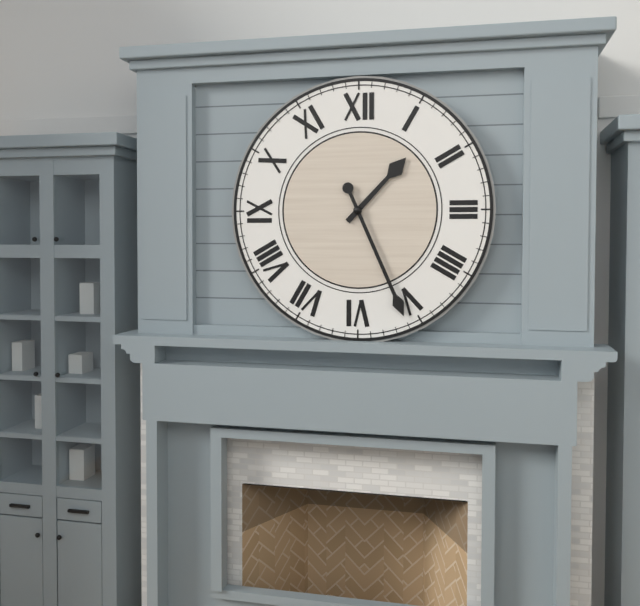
1 h 26 min
